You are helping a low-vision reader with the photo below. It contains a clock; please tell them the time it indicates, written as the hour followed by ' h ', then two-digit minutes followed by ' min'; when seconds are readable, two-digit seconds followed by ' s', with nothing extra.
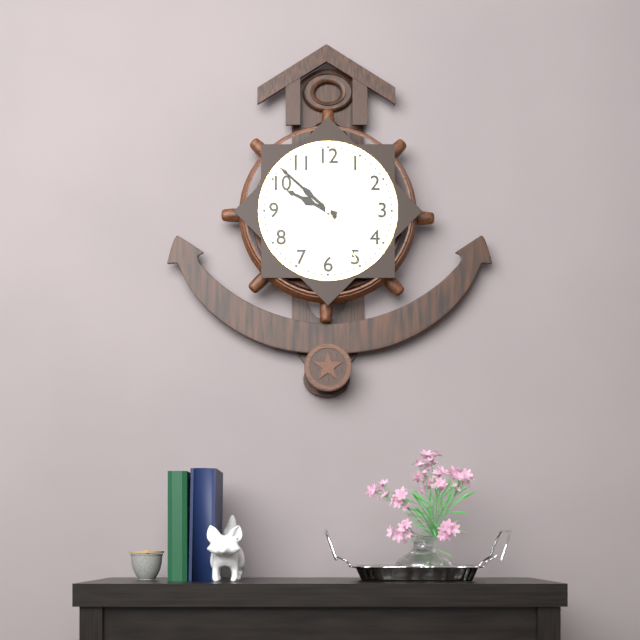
9 h 52 min 25 s
